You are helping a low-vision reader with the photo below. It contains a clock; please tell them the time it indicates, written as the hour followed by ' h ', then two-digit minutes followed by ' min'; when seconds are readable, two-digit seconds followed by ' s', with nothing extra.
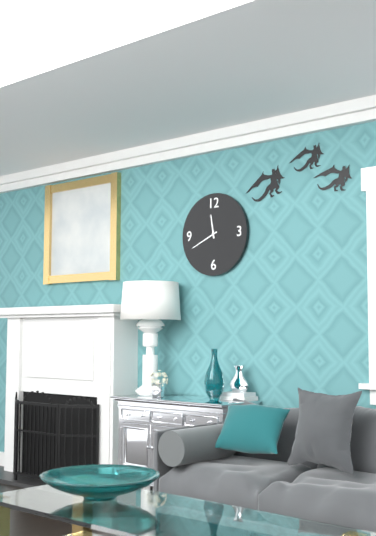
11 h 41 min
